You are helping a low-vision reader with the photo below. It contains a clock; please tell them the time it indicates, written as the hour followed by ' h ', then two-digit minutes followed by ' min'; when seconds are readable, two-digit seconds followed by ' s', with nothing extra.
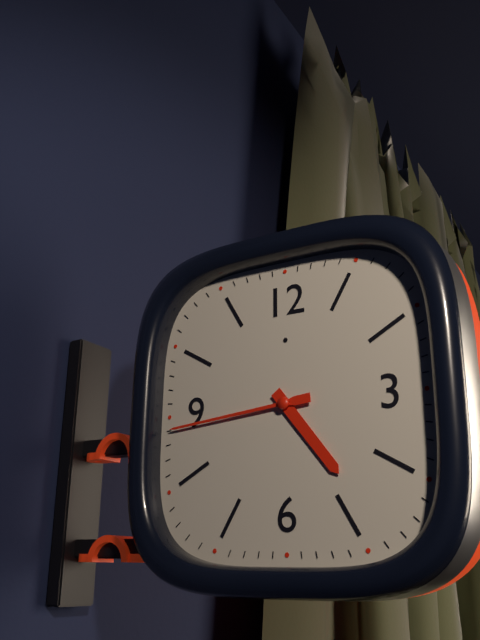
4 h 44 min
